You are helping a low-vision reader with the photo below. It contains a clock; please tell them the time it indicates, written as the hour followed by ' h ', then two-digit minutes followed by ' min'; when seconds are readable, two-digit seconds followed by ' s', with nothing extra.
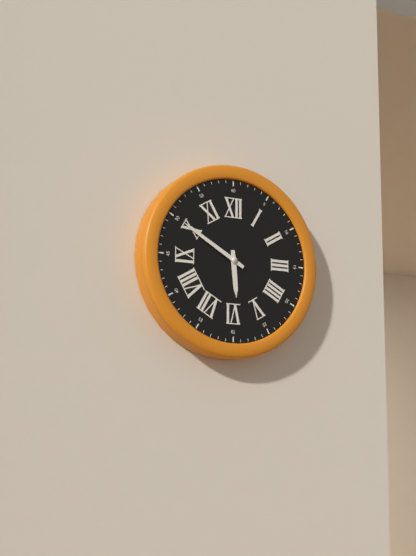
5 h 50 min
